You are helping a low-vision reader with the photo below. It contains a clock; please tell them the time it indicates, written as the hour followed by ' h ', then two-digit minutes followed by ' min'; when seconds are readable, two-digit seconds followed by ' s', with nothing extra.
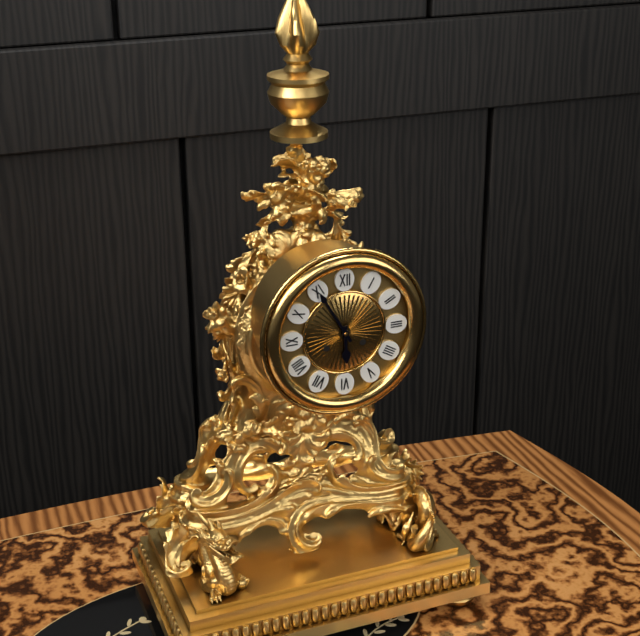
5 h 55 min
